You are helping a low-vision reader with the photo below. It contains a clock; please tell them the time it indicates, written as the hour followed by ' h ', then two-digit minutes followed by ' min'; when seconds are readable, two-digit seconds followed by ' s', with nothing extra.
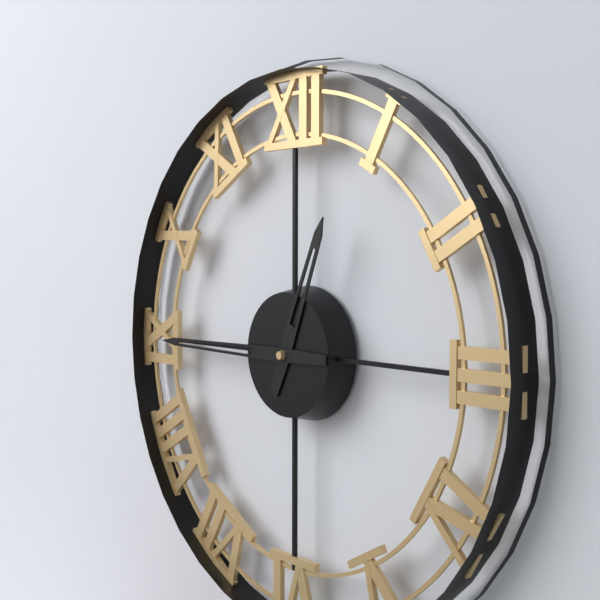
12 h 45 min
